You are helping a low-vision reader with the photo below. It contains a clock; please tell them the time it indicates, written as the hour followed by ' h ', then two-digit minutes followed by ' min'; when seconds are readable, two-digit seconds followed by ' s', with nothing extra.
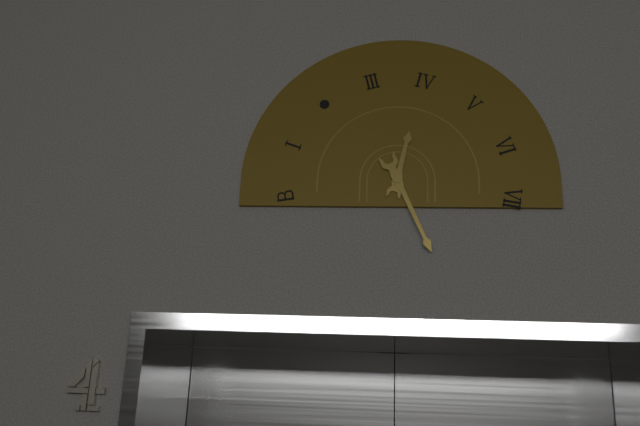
12 h 26 min
